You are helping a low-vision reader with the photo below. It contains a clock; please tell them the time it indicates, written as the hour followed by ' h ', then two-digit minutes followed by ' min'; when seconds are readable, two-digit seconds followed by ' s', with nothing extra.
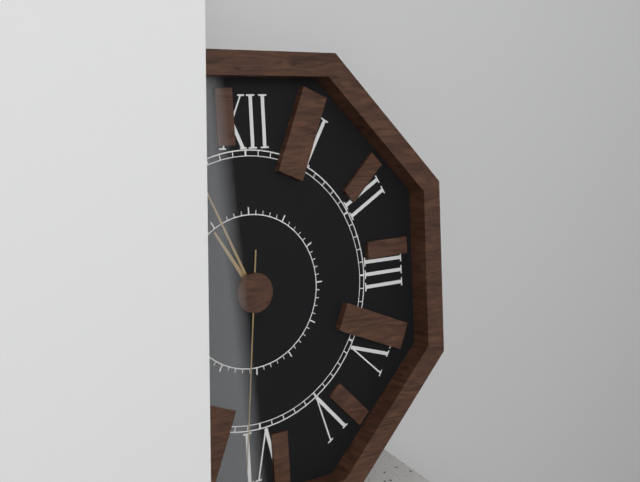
10 h 56 min 31 s
